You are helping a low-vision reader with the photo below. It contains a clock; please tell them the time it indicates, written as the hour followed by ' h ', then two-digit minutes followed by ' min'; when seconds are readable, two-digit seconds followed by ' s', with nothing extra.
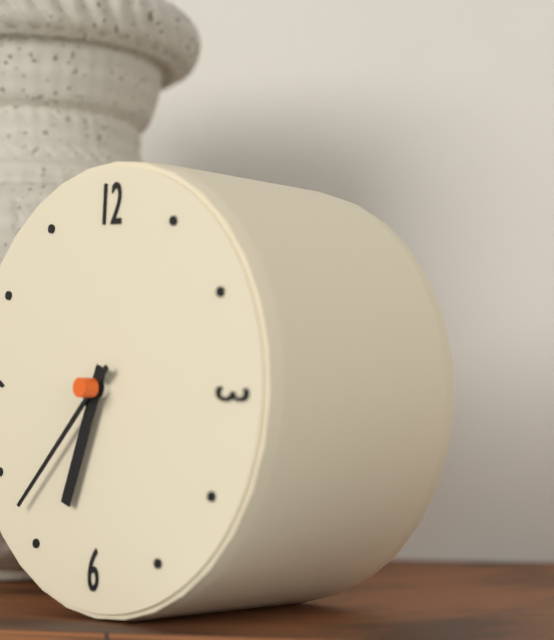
6 h 37 min
